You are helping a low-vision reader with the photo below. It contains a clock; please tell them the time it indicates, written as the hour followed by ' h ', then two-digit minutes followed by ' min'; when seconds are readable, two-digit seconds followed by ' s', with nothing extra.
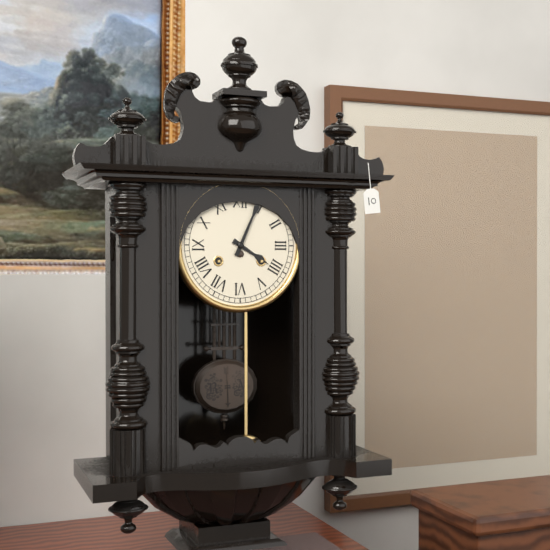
4 h 04 min
